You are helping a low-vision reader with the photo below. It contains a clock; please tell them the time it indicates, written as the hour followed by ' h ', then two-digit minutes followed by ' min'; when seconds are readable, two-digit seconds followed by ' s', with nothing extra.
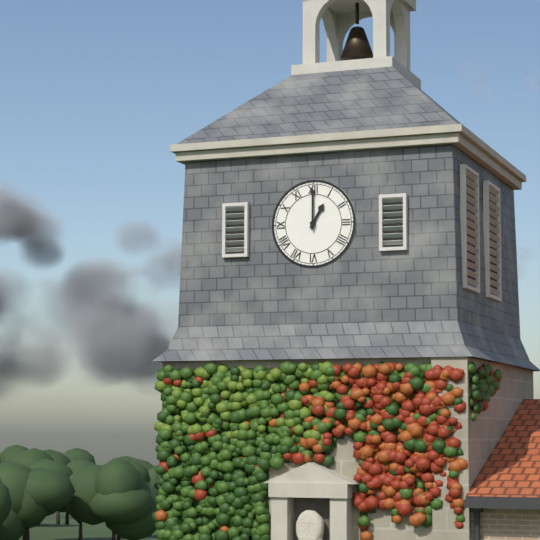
1 h 00 min
